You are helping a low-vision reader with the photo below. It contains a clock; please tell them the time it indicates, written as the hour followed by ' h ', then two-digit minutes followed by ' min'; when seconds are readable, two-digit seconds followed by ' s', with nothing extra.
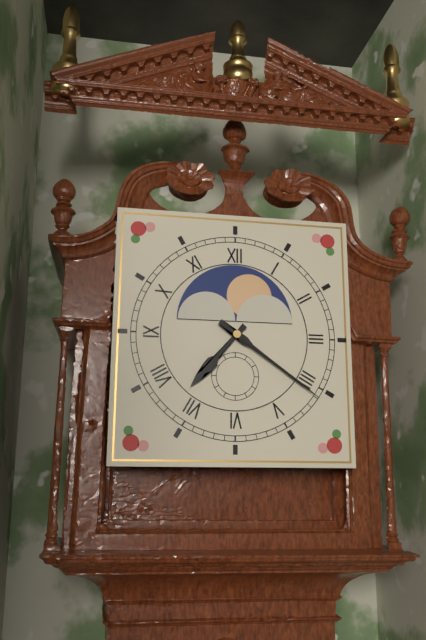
7 h 21 min
